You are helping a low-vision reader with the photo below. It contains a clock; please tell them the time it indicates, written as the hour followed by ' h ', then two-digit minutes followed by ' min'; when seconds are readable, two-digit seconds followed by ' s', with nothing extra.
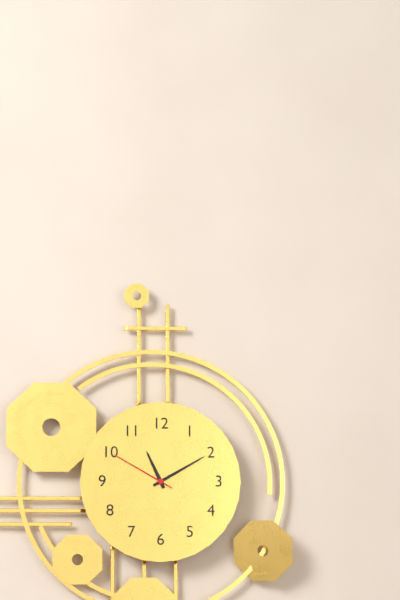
11 h 10 min 50 s
